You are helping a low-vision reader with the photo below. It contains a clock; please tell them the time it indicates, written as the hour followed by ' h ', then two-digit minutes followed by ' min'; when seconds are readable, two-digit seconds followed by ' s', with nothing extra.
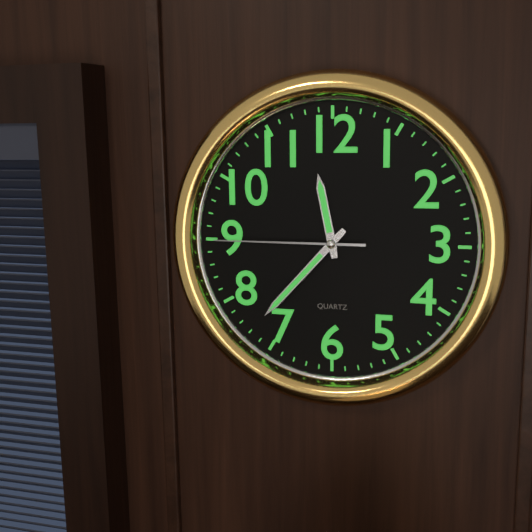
11 h 37 min 45 s
